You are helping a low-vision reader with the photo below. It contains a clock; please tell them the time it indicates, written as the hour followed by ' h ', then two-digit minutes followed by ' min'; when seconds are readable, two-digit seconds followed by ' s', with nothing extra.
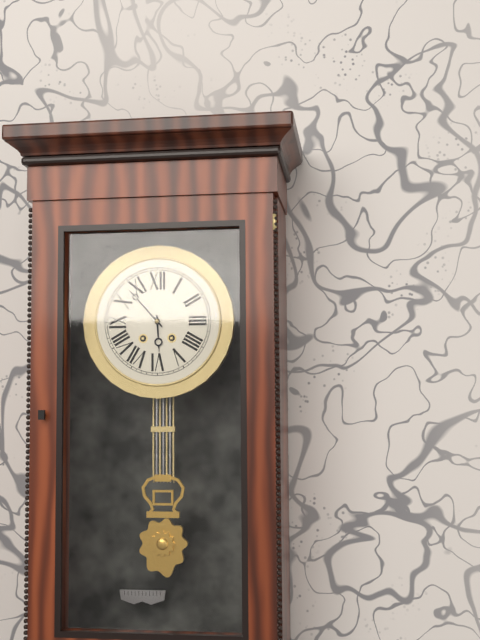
5 h 53 min
